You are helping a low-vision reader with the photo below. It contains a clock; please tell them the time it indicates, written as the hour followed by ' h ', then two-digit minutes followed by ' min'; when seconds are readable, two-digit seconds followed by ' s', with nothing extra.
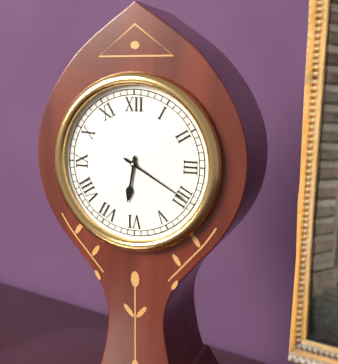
6 h 20 min
